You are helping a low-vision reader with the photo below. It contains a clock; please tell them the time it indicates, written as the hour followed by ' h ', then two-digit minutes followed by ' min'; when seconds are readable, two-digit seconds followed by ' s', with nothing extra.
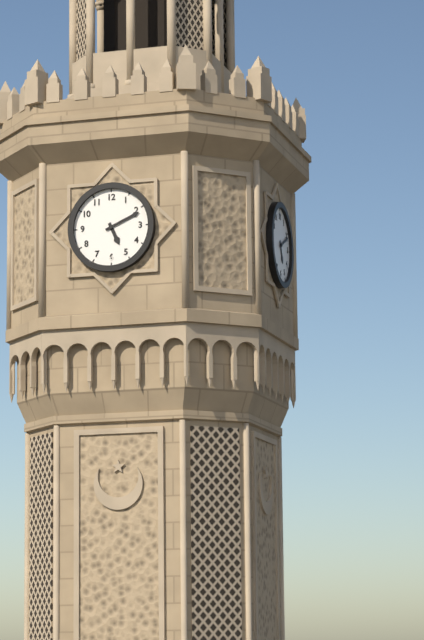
5 h 11 min
